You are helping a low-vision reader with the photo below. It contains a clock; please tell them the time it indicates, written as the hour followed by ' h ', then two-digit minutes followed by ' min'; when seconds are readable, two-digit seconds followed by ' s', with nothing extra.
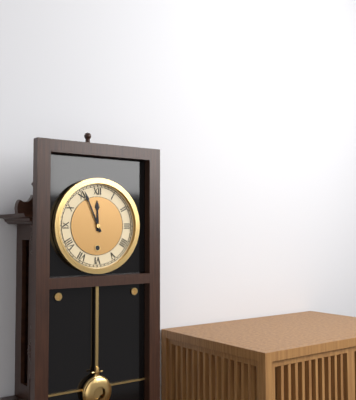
11 h 56 min
